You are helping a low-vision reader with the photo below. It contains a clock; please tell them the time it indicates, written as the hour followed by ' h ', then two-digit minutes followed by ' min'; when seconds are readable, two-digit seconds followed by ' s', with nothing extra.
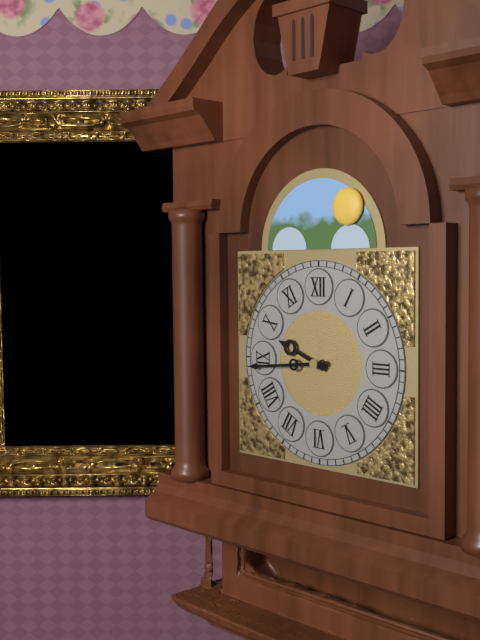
9 h 44 min
